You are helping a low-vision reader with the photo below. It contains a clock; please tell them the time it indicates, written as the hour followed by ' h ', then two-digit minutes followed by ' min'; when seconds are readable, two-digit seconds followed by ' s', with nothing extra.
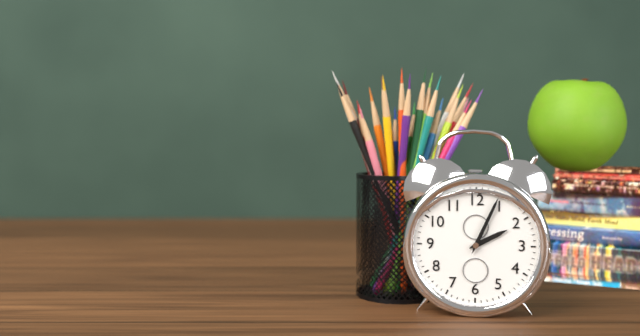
2 h 04 min
